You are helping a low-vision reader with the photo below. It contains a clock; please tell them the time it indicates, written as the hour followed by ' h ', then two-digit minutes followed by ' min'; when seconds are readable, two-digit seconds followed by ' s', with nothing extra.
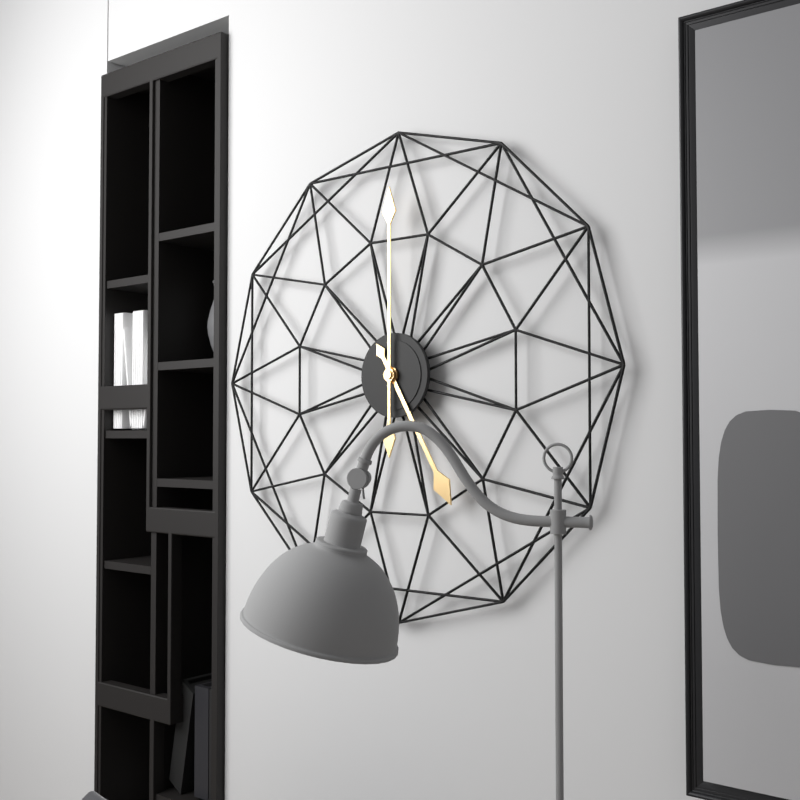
5 h 00 min
